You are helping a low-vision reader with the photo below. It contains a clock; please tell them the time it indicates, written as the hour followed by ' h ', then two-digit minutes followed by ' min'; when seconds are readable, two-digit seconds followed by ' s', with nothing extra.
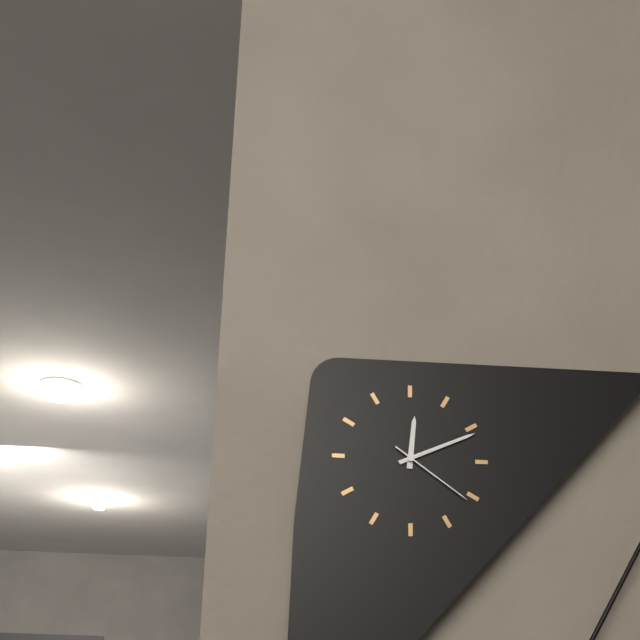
12 h 11 min 21 s
